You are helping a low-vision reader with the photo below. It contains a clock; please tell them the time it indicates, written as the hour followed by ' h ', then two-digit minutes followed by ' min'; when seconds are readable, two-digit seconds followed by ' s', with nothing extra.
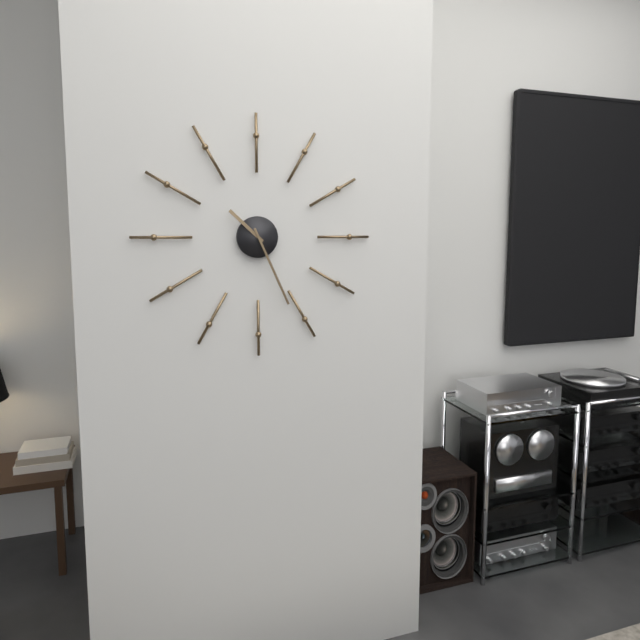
10 h 26 min
